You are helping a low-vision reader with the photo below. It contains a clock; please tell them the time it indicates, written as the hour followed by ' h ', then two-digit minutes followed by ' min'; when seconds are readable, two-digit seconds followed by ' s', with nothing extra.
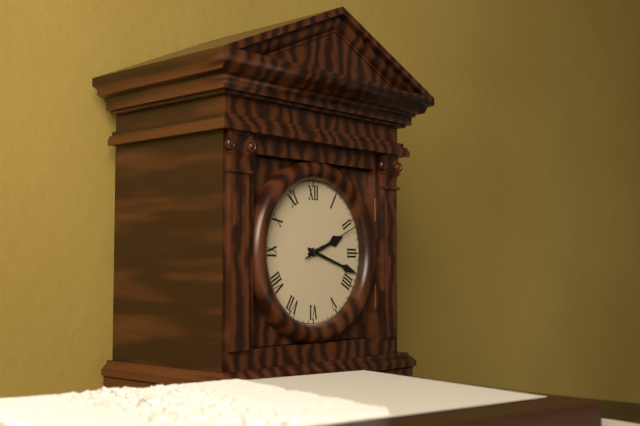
2 h 18 min 11 s
